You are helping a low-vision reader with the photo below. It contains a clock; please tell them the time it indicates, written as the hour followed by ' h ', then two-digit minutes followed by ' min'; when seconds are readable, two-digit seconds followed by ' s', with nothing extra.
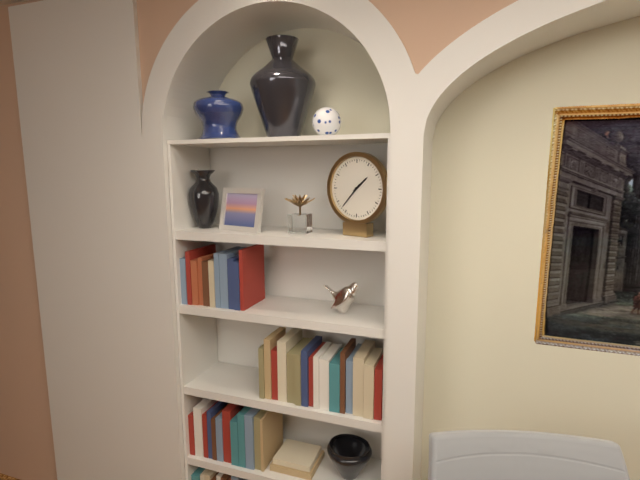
1 h 37 min
